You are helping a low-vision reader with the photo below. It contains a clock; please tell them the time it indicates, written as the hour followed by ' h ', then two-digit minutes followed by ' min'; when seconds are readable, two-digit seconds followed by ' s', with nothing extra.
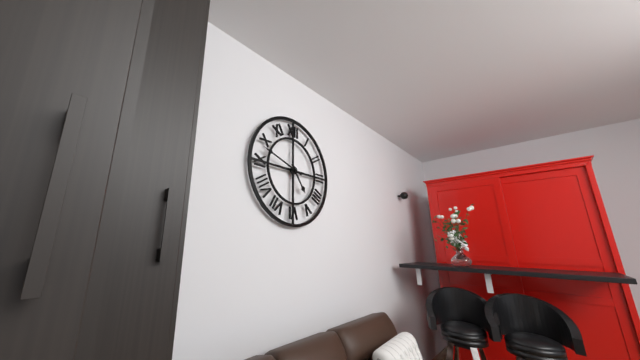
4 h 48 min
